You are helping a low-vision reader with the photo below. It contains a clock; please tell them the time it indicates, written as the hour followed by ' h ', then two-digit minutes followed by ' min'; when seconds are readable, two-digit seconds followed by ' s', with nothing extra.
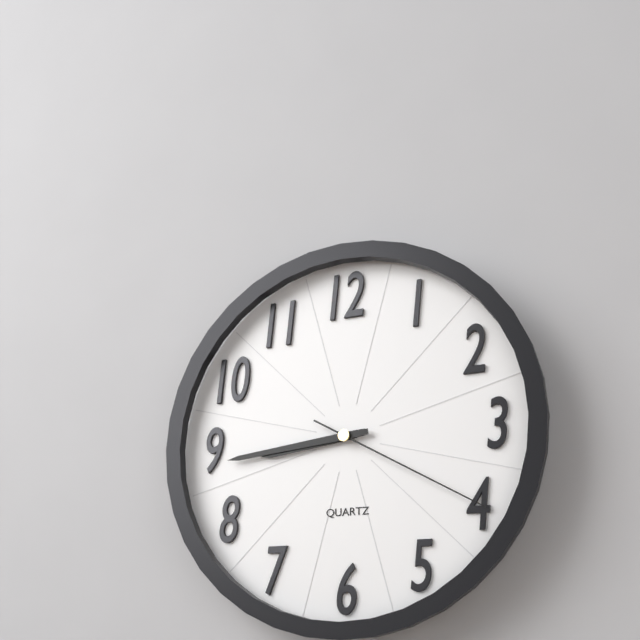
8 h 44 min 20 s
